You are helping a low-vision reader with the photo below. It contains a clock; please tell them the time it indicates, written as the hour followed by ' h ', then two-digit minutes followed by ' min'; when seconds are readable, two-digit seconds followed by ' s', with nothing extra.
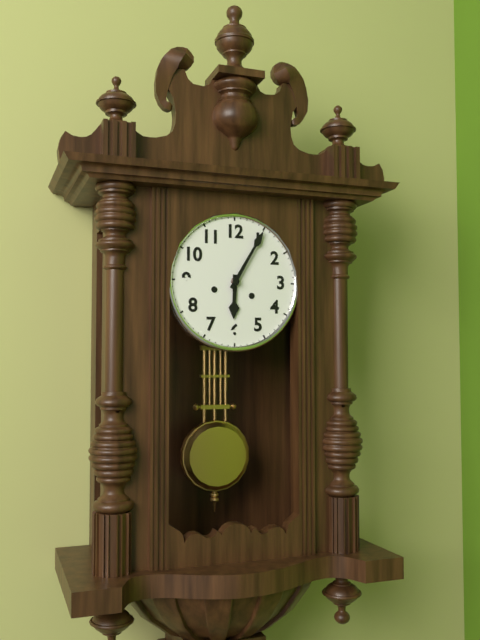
6 h 05 min
